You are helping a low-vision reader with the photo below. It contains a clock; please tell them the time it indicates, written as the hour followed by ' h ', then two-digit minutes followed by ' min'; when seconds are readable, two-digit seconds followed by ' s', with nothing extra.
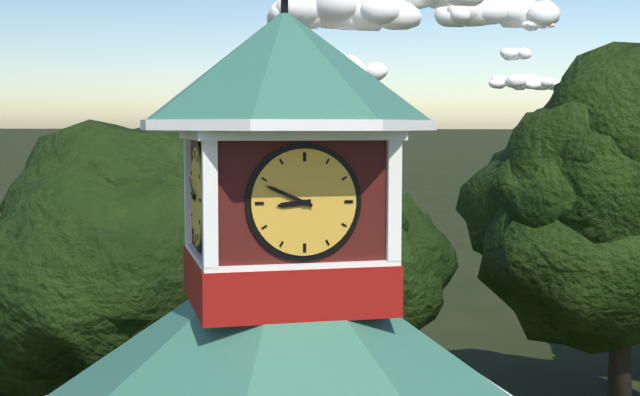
8 h 49 min
